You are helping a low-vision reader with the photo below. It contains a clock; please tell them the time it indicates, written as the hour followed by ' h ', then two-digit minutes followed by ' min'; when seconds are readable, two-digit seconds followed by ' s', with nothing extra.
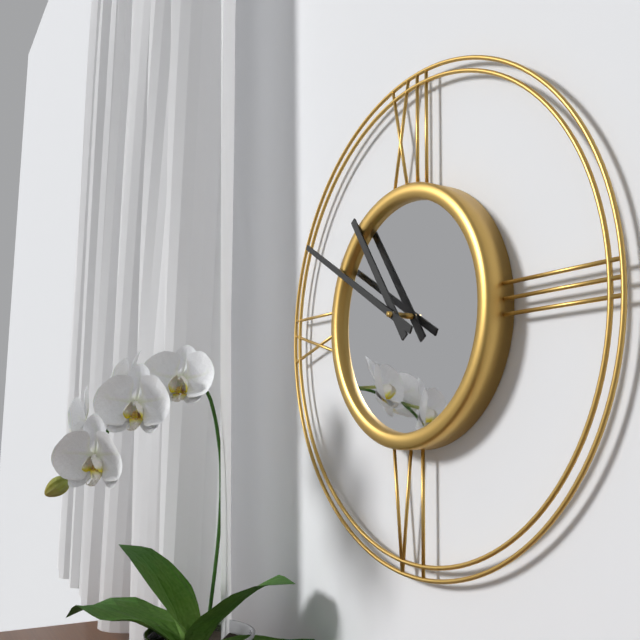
10 h 50 min
